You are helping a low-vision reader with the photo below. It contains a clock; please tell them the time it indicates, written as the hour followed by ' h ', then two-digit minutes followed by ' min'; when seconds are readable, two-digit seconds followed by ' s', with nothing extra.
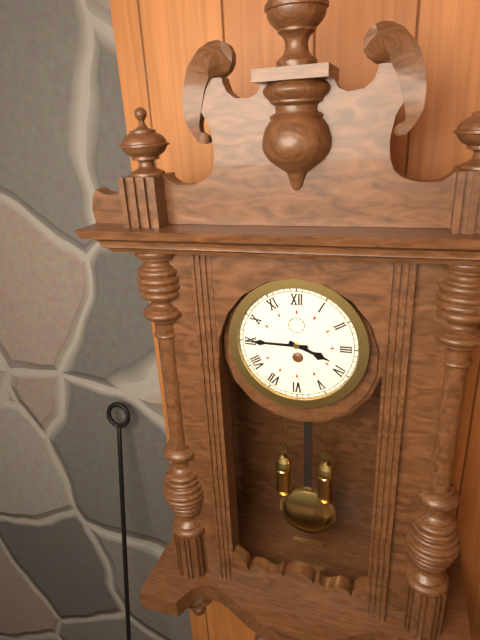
3 h 45 min
